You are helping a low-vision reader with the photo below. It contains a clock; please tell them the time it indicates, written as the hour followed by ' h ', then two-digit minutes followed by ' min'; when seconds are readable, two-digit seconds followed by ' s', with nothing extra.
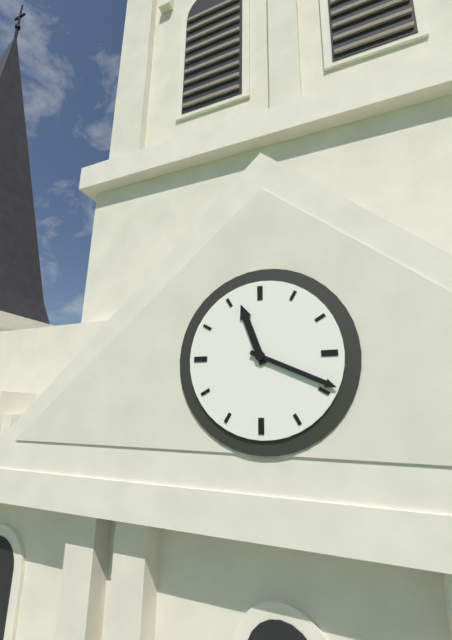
11 h 19 min
